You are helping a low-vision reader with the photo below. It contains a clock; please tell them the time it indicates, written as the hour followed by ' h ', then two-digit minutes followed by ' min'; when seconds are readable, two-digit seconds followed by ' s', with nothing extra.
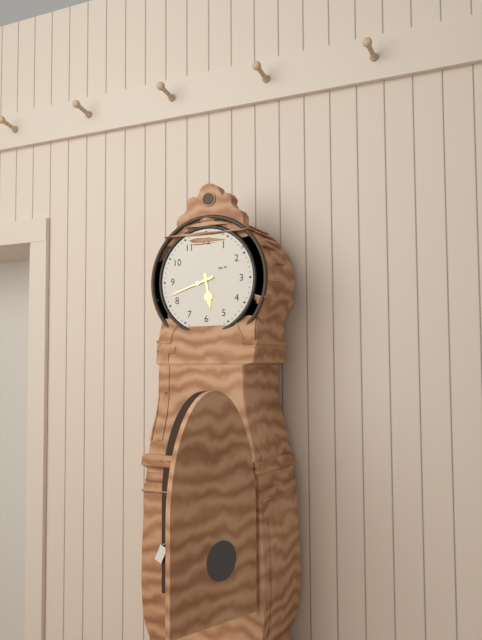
5 h 42 min
